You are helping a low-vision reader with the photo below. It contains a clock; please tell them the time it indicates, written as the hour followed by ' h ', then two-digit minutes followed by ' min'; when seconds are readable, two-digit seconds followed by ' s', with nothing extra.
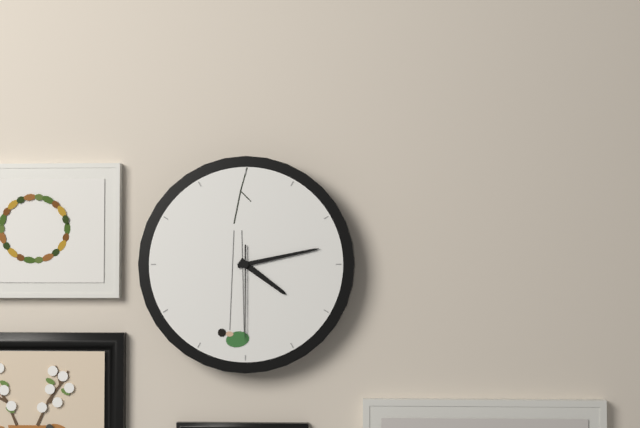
4 h 13 min 30 s
